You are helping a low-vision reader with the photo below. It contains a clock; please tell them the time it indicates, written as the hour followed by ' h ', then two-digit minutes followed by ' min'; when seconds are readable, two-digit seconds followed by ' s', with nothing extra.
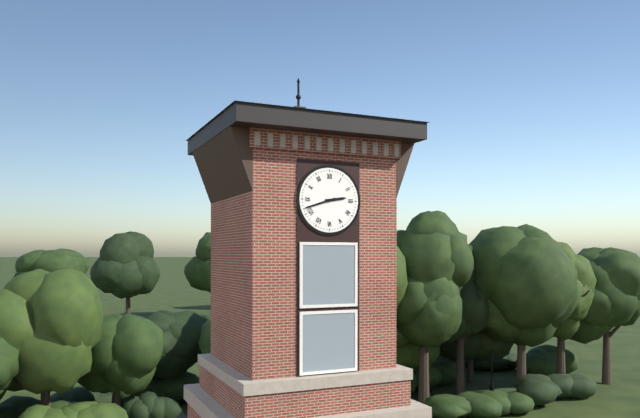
2 h 42 min
